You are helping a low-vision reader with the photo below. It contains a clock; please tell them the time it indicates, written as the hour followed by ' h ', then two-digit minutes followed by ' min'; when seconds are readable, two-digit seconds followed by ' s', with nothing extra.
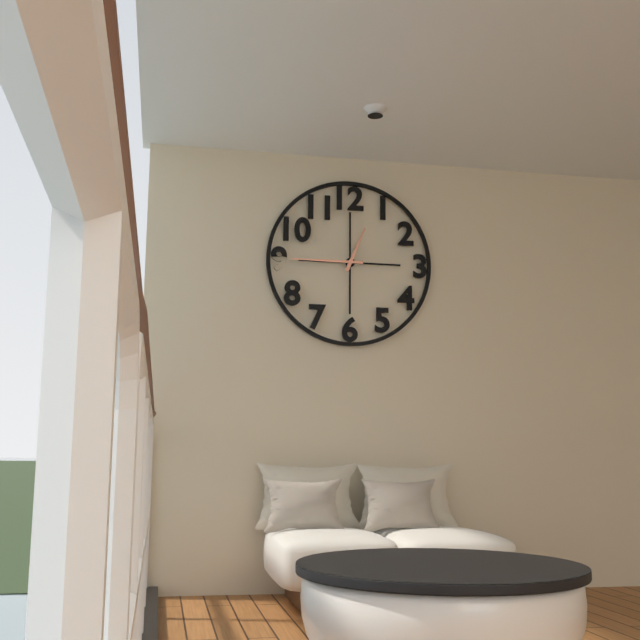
12 h 45 min
